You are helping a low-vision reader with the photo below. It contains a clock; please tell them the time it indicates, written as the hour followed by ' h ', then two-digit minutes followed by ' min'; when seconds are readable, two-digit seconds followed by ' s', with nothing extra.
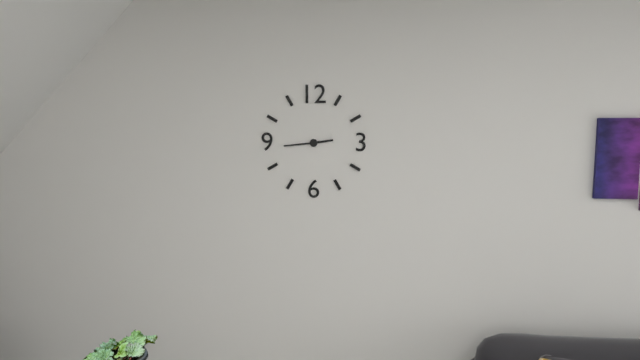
2 h 44 min
